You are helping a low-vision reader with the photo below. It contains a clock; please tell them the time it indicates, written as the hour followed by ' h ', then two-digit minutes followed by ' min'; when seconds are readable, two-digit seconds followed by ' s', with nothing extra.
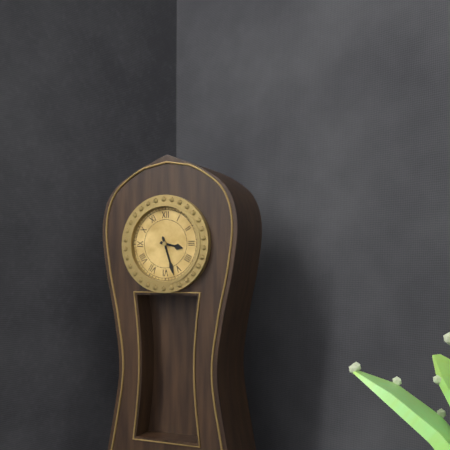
3 h 27 min
